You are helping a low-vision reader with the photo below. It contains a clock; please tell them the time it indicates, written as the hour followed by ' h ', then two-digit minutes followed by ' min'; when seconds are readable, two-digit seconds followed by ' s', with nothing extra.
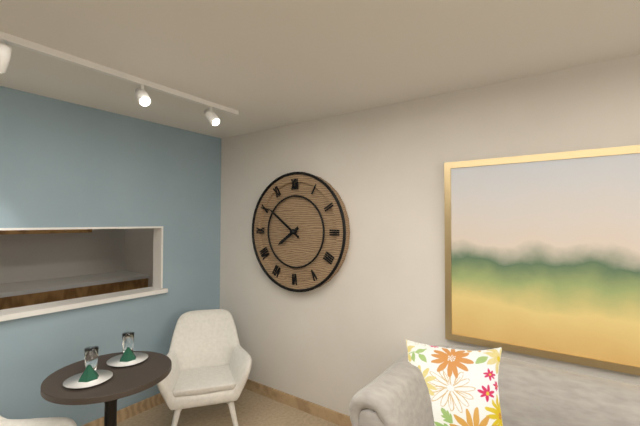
7 h 51 min
